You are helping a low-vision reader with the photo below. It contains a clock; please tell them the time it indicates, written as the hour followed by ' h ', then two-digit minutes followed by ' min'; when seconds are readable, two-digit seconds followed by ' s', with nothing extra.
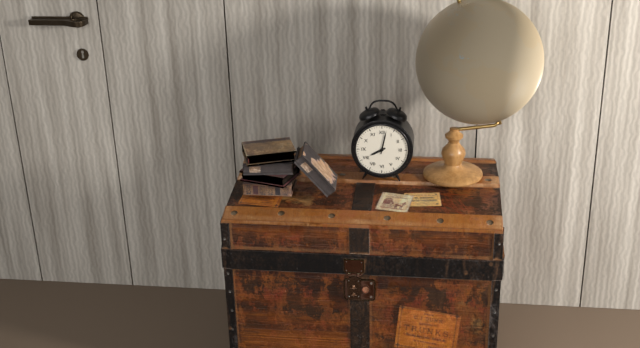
8 h 02 min
